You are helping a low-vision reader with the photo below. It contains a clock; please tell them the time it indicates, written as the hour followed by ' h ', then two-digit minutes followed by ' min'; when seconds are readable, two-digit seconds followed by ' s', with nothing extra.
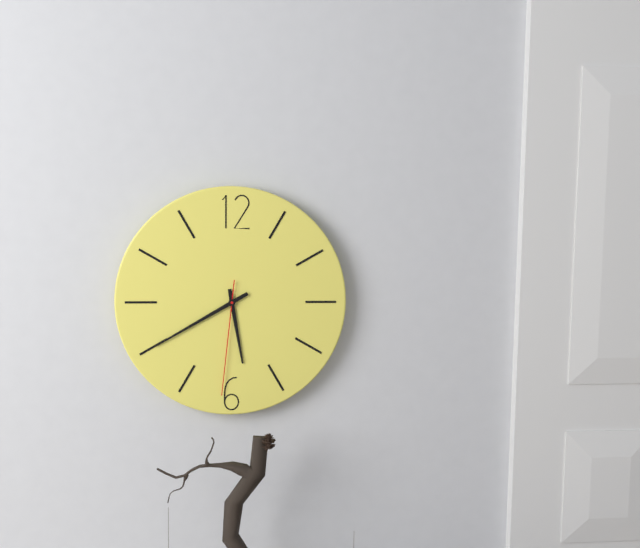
5 h 40 min 31 s
